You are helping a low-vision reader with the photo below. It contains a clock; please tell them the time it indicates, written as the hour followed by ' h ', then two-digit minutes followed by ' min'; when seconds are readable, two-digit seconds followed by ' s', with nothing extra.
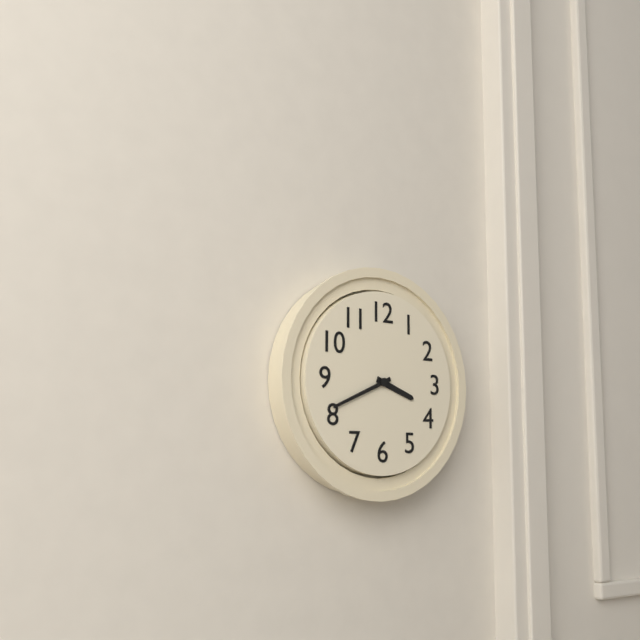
3 h 41 min
